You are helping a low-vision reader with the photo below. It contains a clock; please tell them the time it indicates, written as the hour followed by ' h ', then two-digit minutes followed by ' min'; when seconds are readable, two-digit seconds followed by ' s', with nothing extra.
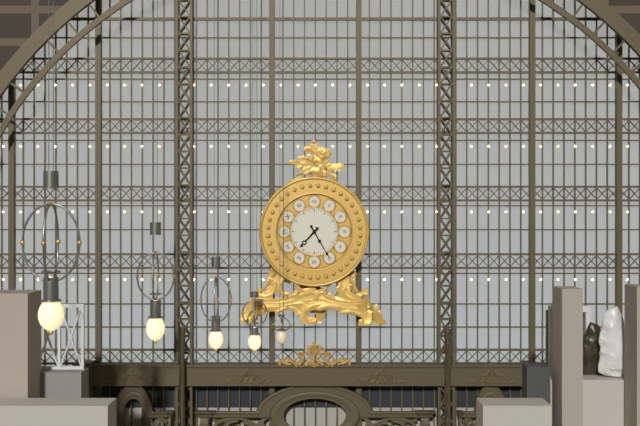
7 h 25 min
